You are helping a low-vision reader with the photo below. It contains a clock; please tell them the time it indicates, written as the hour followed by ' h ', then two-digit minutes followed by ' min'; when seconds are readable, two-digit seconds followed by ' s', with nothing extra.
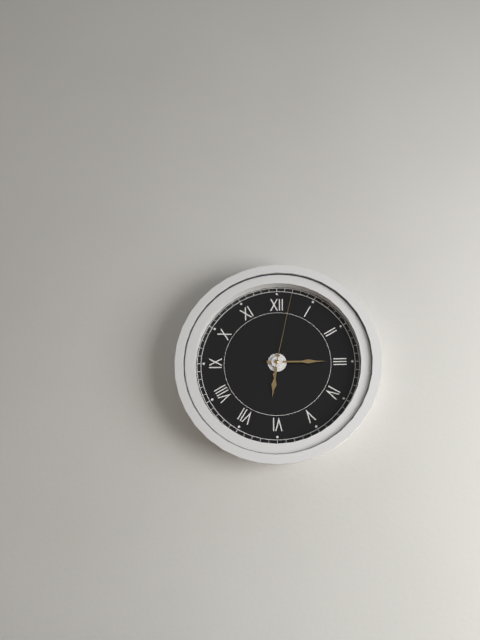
6 h 15 min 02 s
